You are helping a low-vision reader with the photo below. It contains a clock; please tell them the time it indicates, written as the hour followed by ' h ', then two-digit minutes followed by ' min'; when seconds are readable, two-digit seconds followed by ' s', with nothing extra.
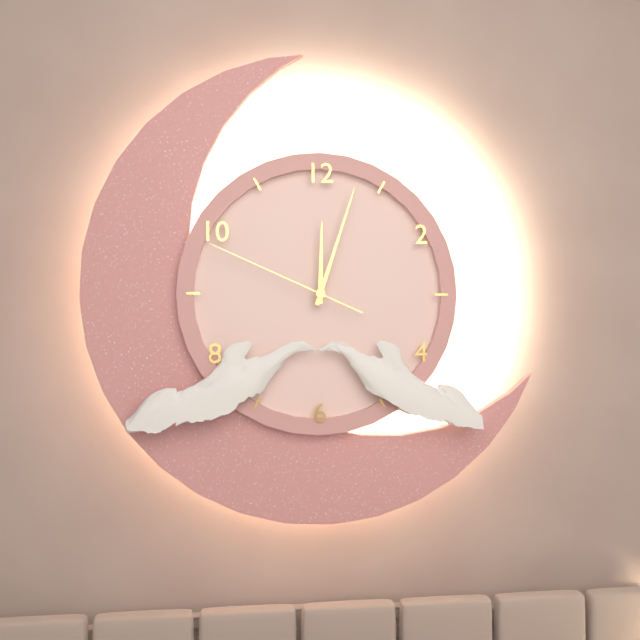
12 h 03 min 49 s
